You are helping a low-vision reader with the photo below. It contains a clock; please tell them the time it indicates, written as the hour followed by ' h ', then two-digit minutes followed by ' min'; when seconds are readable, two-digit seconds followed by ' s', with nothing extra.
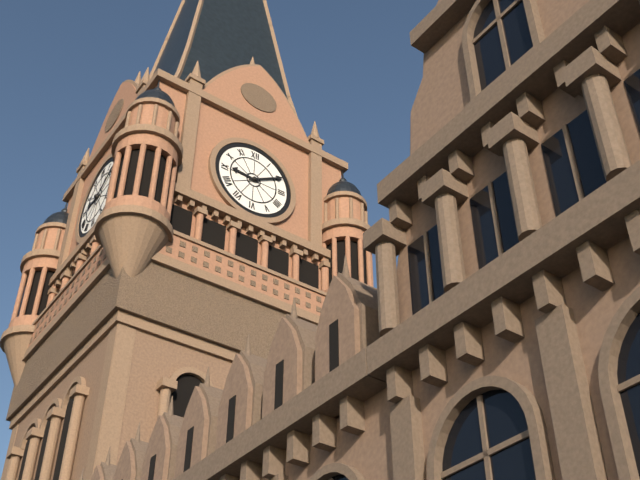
9 h 10 min
